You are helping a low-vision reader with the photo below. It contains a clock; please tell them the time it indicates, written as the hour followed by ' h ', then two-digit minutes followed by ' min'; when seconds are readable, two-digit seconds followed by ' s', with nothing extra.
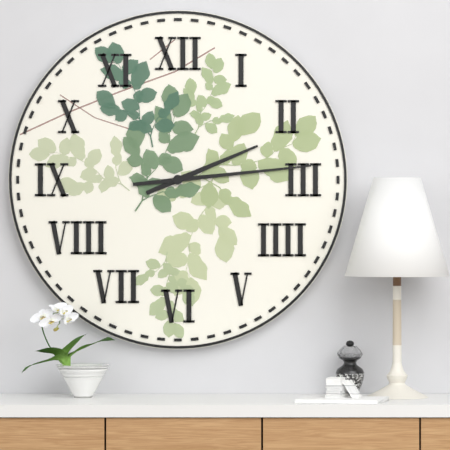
2 h 14 min
